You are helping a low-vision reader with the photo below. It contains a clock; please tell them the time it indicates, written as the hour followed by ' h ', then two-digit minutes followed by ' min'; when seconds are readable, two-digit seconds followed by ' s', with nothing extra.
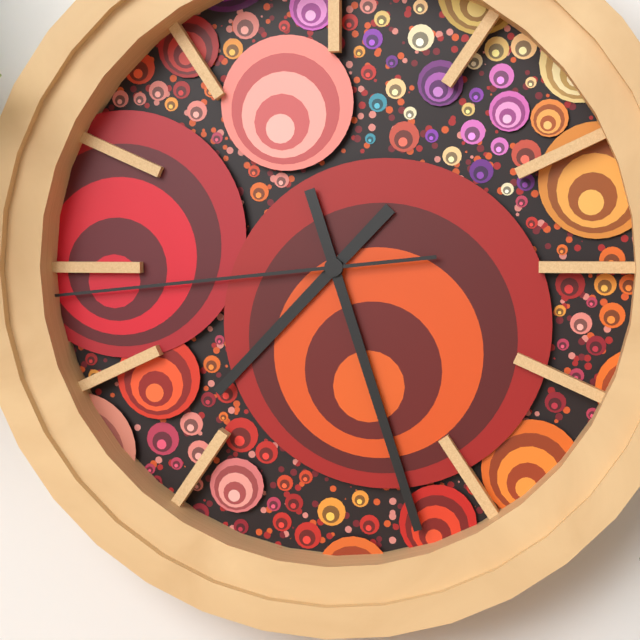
7 h 27 min 44 s
